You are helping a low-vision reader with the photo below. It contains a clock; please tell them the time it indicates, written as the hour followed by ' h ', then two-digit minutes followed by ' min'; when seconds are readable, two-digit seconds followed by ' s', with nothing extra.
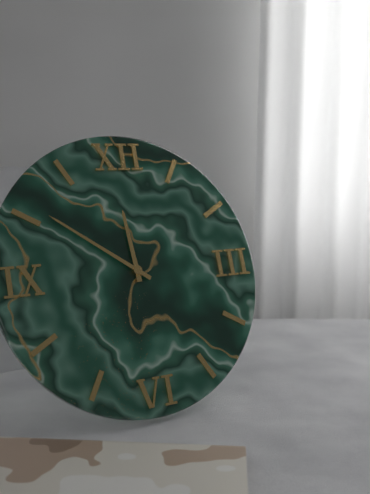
11 h 51 min
